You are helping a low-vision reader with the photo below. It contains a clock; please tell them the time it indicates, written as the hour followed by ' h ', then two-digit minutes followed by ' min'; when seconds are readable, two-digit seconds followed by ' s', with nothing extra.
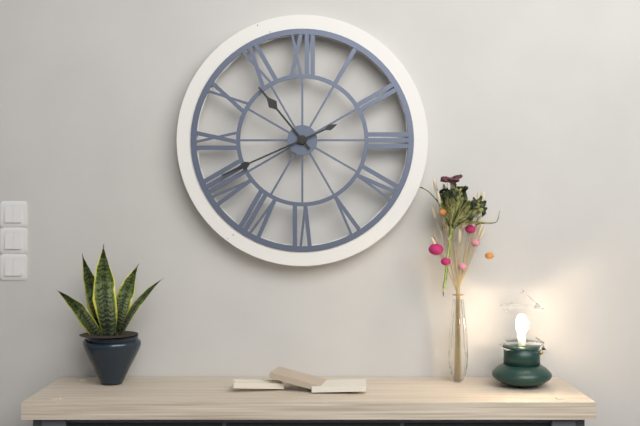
10 h 41 min
